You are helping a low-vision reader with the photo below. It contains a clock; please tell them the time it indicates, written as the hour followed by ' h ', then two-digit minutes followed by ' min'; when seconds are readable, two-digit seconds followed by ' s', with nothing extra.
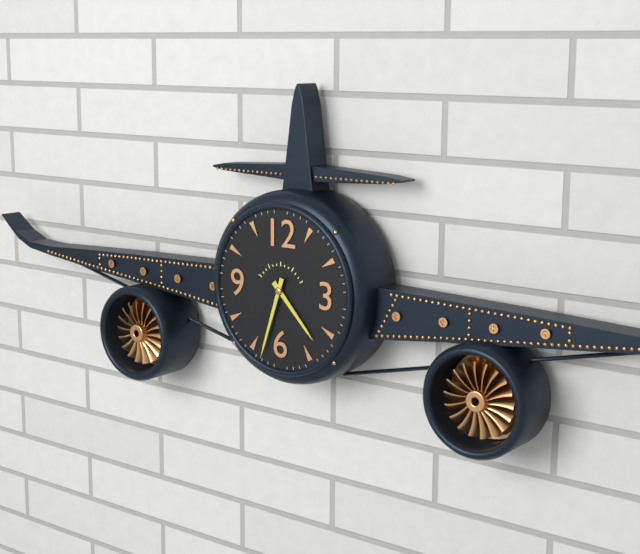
4 h 33 min
